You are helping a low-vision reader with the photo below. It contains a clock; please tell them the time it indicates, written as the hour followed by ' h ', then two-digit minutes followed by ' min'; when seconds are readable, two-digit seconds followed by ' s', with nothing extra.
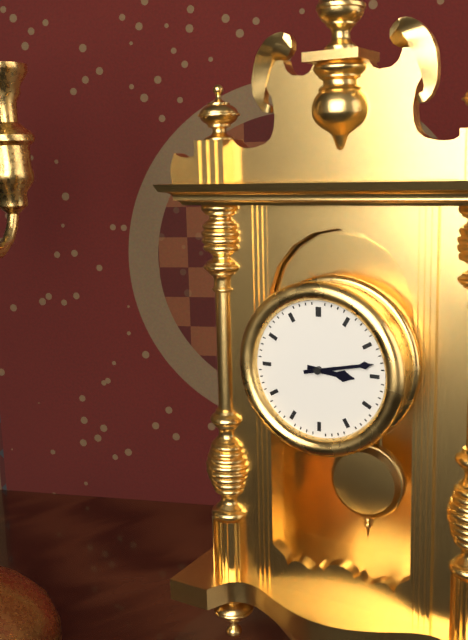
3 h 13 min
